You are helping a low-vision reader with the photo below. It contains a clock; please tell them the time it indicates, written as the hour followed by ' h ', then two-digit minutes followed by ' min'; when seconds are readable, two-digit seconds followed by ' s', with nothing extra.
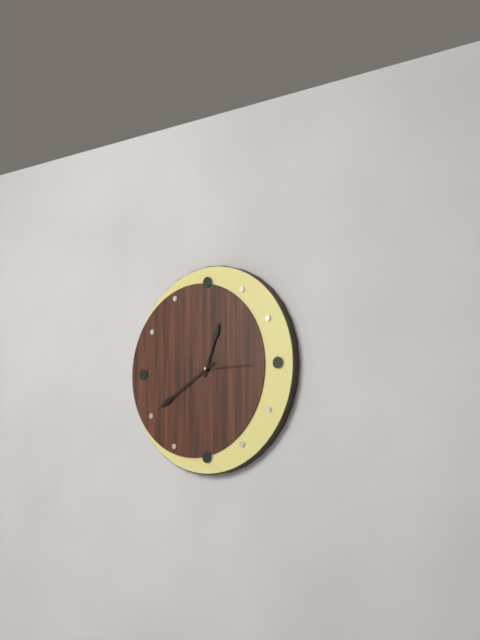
12 h 40 min
